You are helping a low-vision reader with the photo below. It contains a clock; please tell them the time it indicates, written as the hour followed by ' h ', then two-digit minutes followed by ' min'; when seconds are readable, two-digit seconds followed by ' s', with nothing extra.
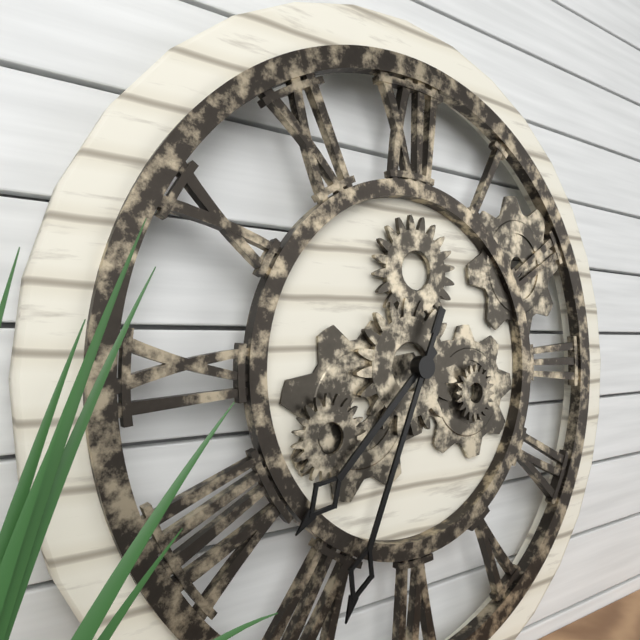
7 h 34 min
